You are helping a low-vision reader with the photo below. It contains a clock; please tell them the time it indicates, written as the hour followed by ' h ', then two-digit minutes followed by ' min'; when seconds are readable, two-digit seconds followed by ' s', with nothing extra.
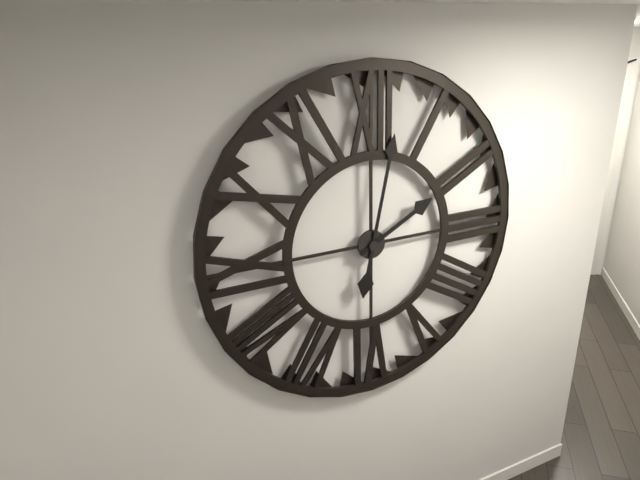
2 h 02 min
